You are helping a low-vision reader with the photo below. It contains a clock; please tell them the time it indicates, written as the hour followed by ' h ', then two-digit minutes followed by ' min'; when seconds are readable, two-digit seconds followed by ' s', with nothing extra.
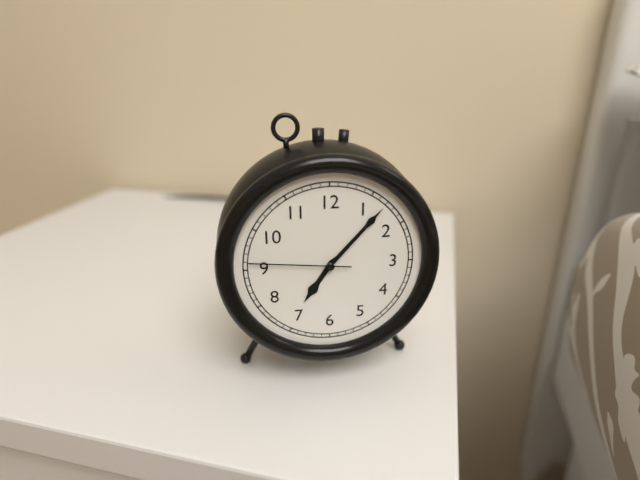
7 h 07 min 46 s
